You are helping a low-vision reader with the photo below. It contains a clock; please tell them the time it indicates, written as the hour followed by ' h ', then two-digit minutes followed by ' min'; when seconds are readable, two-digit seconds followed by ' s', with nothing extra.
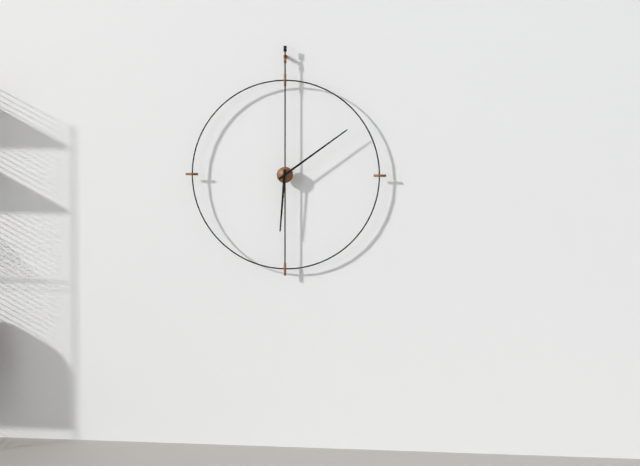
6 h 09 min
